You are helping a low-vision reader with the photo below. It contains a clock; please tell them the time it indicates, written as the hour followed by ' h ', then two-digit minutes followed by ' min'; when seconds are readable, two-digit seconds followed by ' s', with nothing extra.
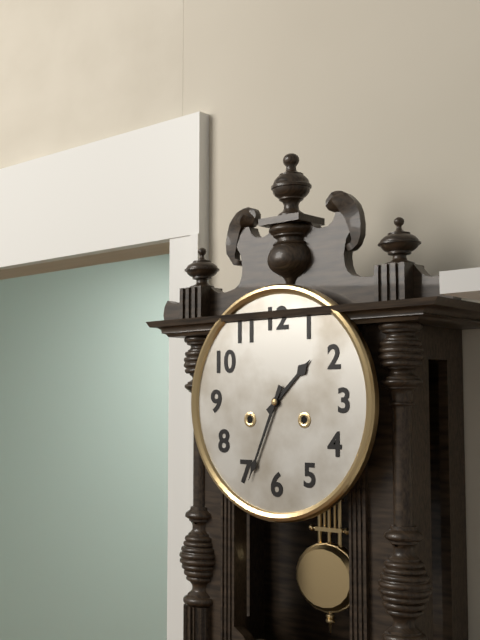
1 h 34 min
